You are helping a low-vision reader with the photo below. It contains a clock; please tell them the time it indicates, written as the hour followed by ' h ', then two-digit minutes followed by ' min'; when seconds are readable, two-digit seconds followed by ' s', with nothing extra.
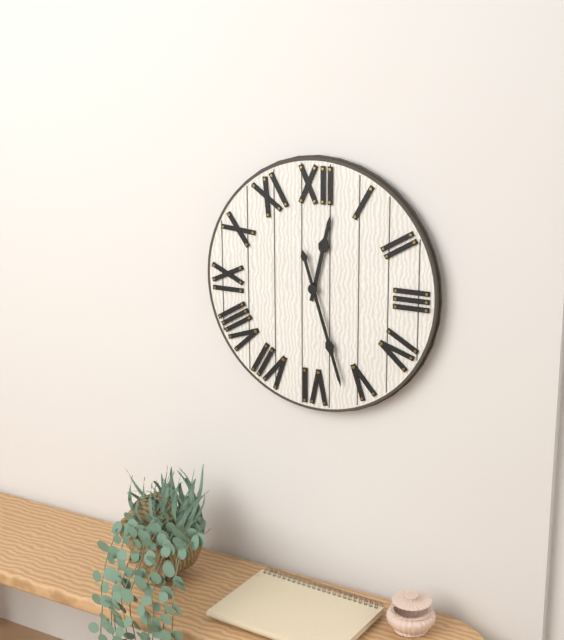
12 h 27 min
